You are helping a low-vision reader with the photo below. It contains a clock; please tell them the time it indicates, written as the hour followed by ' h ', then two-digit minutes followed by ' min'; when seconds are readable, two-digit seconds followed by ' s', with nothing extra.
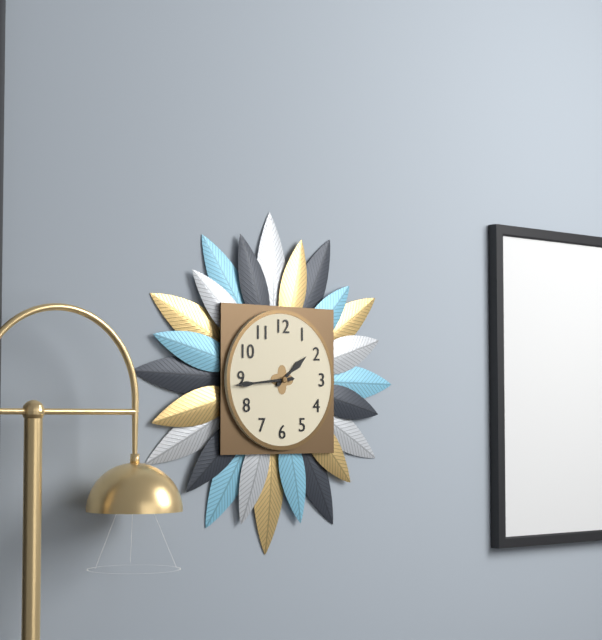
1 h 44 min
